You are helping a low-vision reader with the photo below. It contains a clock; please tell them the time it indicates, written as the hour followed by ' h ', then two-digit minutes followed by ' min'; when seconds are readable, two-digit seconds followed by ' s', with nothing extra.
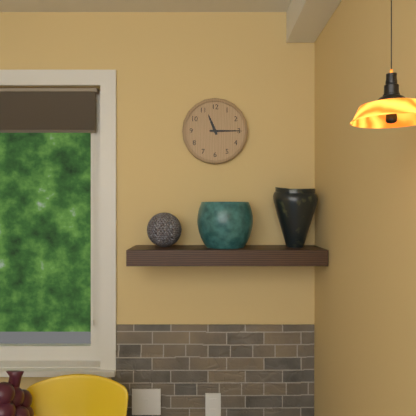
11 h 15 min
